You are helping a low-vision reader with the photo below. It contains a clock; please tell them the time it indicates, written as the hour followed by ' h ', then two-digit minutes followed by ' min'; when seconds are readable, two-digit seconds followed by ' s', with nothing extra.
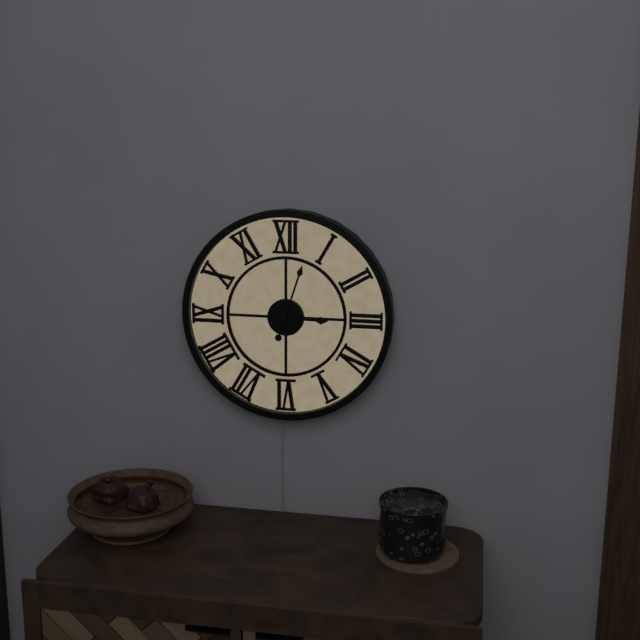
3 h 03 min
